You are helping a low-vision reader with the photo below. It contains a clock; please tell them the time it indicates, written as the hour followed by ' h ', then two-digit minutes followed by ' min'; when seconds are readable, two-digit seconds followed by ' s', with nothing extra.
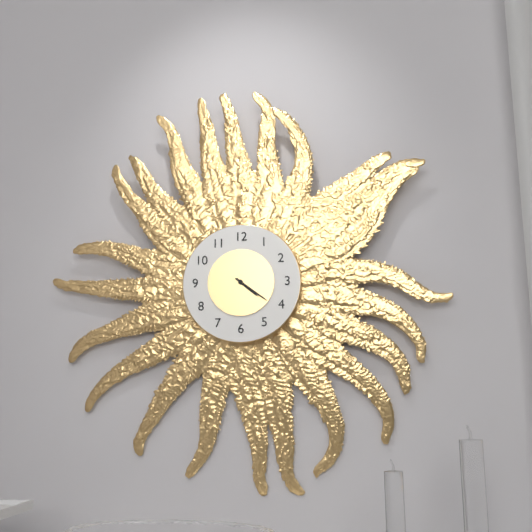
4 h 21 min
